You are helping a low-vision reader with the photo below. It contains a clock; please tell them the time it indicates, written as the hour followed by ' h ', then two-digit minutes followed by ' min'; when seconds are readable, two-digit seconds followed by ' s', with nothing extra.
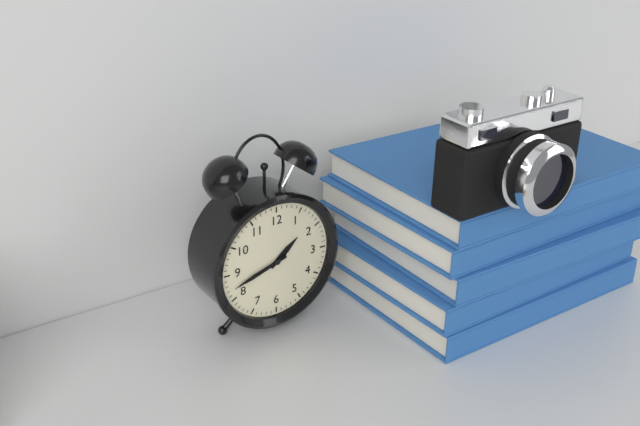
1 h 42 min
